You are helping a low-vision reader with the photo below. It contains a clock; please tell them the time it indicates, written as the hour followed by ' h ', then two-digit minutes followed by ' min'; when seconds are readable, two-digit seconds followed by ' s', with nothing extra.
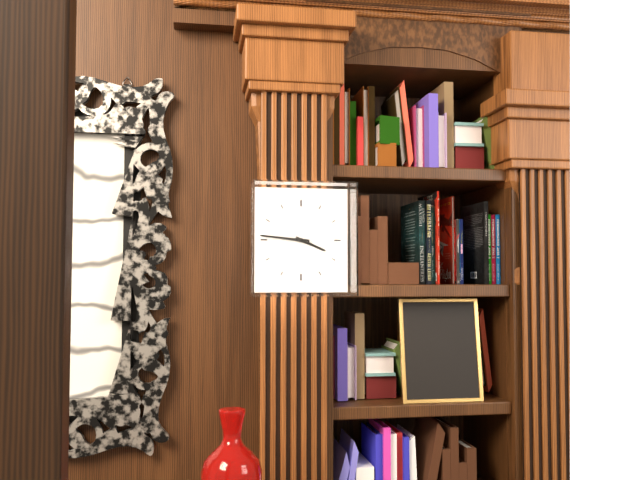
3 h 46 min
